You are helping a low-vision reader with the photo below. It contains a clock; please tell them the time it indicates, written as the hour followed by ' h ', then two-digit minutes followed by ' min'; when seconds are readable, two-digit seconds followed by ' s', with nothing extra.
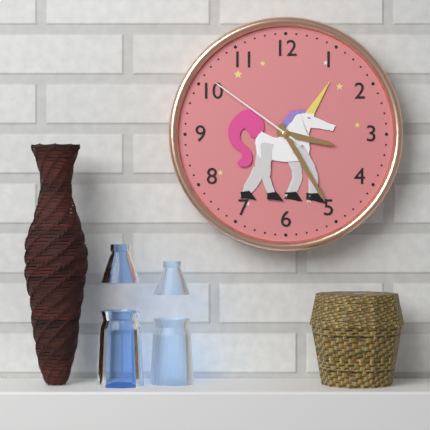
3 h 25 min 51 s
